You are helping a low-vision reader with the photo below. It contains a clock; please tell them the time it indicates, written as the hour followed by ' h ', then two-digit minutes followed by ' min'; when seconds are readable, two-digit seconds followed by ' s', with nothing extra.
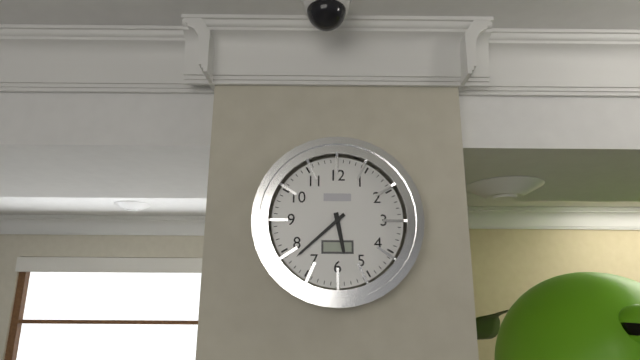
5 h 38 min
